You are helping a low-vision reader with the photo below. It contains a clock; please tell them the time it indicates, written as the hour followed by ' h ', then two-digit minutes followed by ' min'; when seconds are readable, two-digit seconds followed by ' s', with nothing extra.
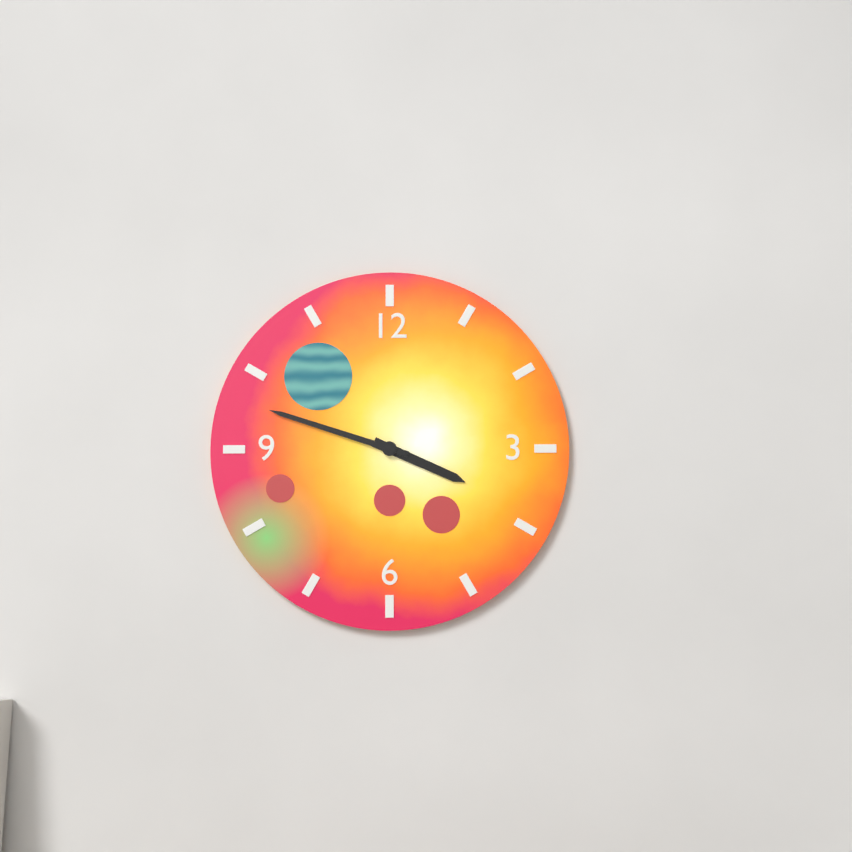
3 h 48 min
